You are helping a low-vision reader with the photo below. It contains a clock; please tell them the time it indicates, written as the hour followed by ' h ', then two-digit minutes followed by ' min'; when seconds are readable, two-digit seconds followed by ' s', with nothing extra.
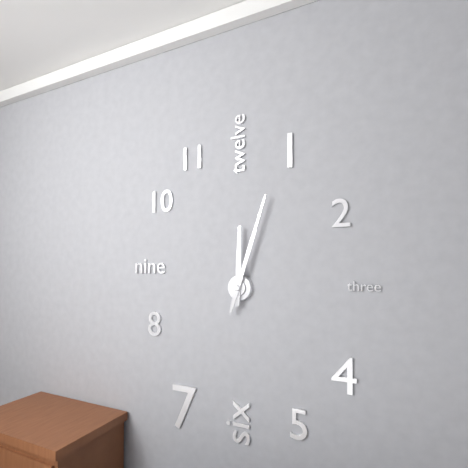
12 h 03 min
